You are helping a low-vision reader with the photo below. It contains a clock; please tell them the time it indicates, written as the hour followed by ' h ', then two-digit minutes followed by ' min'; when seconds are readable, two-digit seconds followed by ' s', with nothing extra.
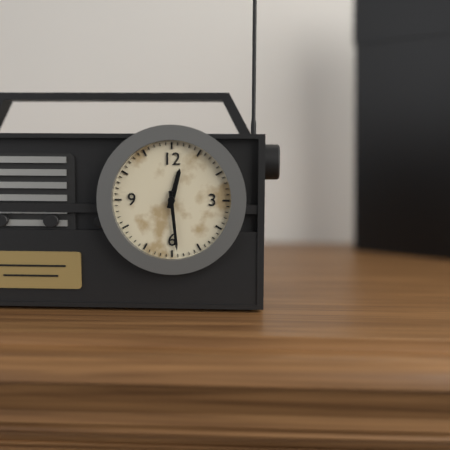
12 h 29 min
